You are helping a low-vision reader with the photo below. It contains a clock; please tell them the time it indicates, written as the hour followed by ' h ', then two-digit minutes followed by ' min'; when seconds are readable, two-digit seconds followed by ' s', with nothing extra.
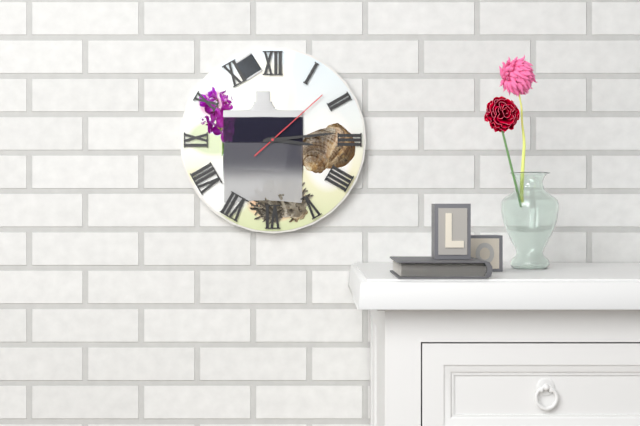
3 h 14 min 08 s
